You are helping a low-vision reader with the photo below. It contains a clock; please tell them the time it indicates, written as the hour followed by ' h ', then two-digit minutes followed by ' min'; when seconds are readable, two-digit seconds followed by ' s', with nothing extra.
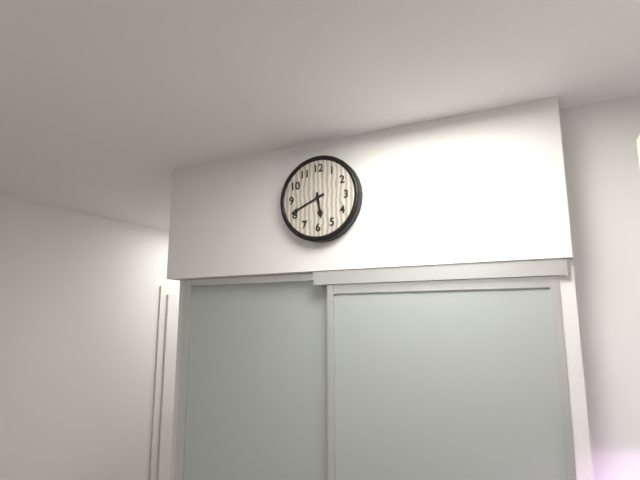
5 h 41 min
